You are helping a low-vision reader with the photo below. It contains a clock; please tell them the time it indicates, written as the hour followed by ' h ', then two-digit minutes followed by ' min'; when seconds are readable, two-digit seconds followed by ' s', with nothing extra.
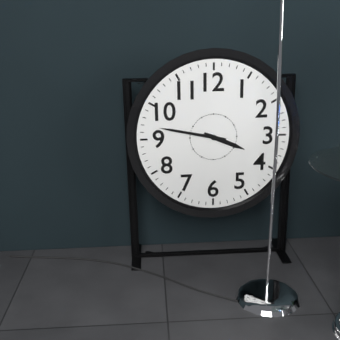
3 h 47 min
